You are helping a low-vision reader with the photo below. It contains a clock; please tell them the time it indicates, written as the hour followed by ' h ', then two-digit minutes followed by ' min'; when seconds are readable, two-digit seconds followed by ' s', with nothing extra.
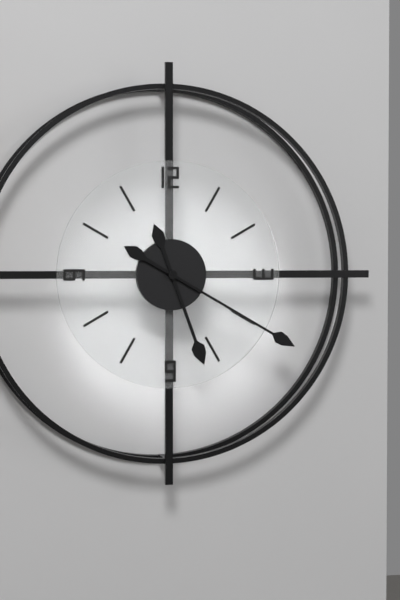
5 h 20 min
